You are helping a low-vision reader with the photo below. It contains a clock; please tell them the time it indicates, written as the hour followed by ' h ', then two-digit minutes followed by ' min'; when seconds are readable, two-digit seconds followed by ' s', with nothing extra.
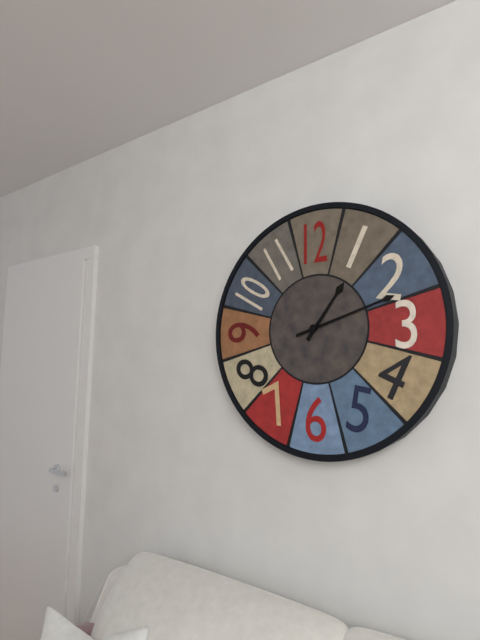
1 h 12 min
